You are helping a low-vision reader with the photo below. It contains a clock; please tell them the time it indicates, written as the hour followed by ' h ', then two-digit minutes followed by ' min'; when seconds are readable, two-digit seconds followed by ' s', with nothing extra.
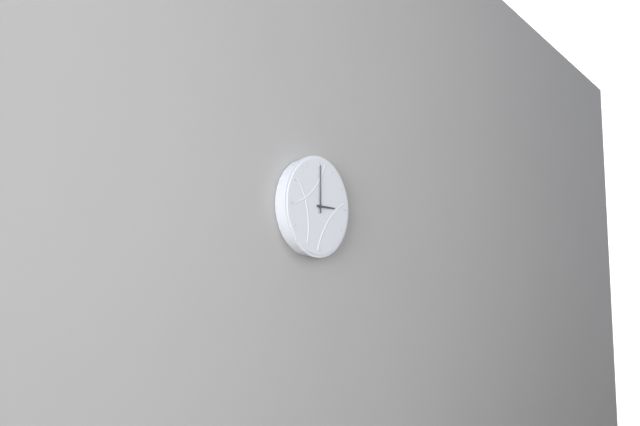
3 h 00 min
